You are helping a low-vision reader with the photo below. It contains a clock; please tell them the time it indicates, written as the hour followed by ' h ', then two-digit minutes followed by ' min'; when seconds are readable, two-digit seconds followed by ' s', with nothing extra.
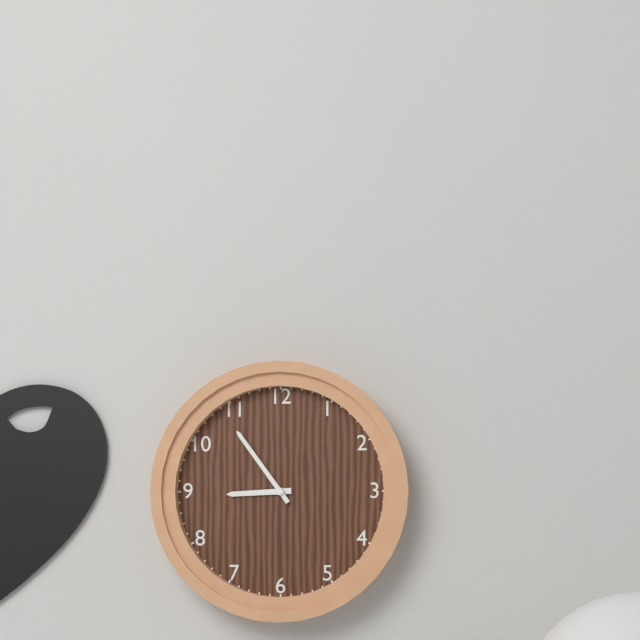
8 h 54 min
